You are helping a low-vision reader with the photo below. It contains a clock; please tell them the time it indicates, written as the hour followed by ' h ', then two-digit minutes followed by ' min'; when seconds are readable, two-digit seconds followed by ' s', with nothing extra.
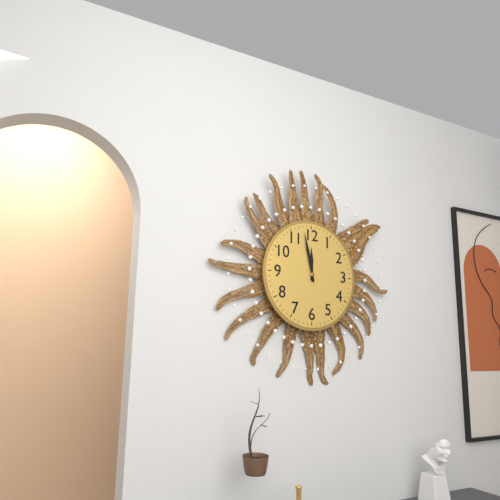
11 h 58 min
